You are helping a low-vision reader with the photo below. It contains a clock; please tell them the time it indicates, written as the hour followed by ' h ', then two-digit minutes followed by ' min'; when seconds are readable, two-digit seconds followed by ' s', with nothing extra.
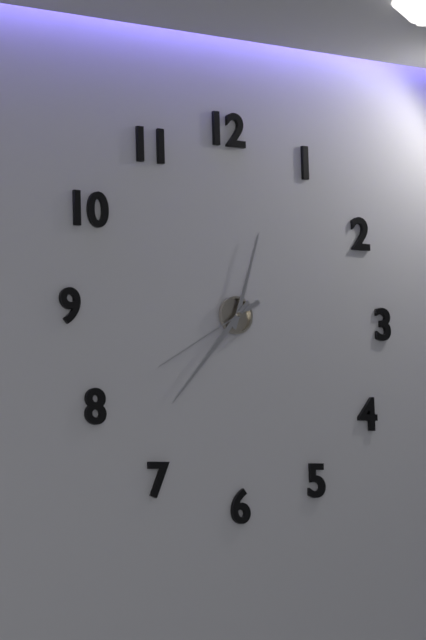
12 h 37 min 40 s
